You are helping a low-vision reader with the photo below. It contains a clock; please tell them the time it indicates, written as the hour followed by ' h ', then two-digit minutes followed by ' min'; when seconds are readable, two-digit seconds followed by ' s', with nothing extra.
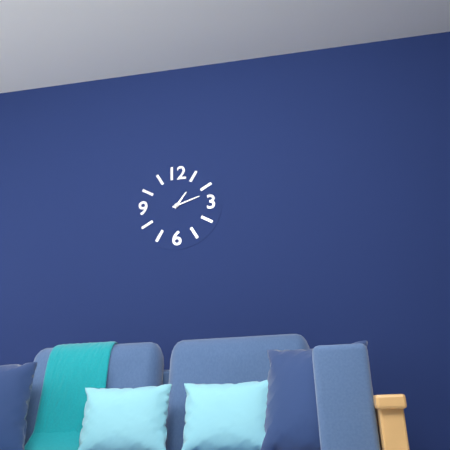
1 h 12 min
